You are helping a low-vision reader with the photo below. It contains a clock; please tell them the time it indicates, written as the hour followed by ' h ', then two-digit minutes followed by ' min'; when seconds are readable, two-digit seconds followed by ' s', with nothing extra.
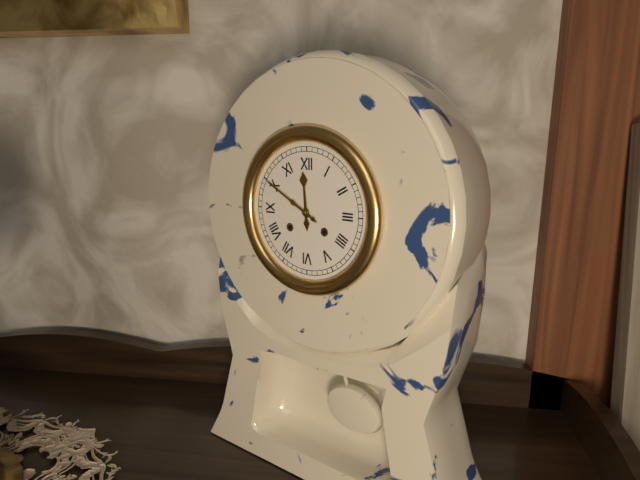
11 h 50 min
